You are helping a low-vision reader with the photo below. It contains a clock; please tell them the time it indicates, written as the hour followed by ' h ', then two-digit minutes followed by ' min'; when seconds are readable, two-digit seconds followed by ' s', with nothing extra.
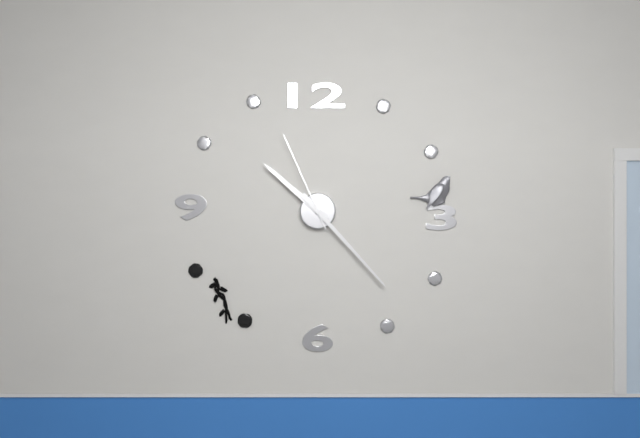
10 h 23 min 56 s
